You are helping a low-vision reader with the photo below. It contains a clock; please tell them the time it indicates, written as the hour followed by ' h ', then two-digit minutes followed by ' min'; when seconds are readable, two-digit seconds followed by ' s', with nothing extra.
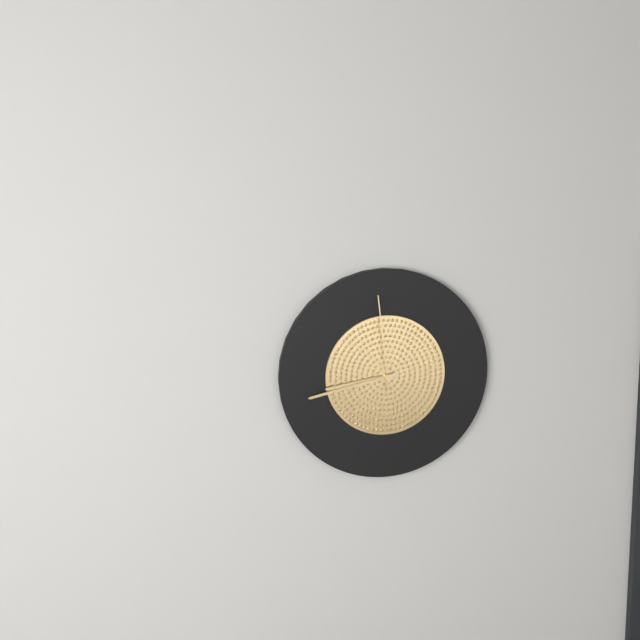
8 h 43 min 59 s
